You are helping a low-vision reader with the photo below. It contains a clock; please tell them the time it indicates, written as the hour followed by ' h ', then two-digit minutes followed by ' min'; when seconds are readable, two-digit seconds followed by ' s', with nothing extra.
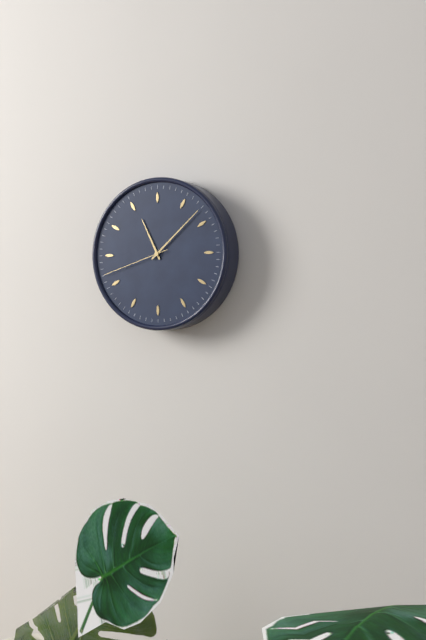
11 h 08 min 42 s
